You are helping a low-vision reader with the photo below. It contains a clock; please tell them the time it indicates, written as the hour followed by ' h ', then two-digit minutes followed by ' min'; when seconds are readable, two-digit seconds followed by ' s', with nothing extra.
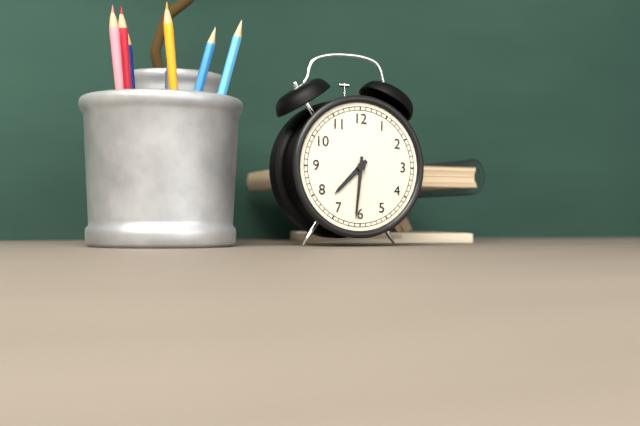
7 h 31 min
